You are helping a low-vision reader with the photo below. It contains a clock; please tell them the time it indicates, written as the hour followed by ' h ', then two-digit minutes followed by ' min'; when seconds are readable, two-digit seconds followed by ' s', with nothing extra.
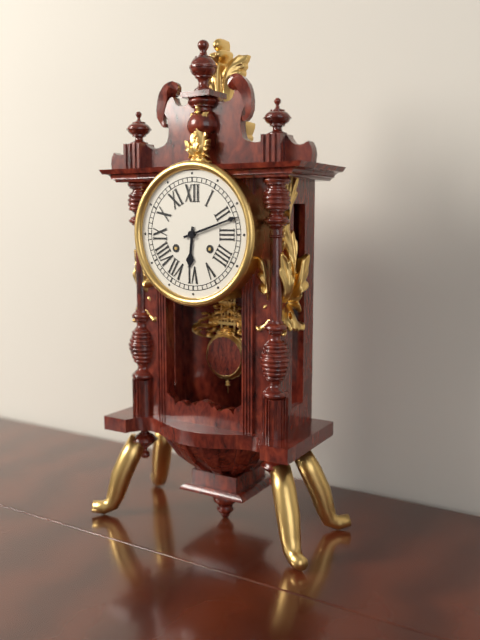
6 h 12 min
